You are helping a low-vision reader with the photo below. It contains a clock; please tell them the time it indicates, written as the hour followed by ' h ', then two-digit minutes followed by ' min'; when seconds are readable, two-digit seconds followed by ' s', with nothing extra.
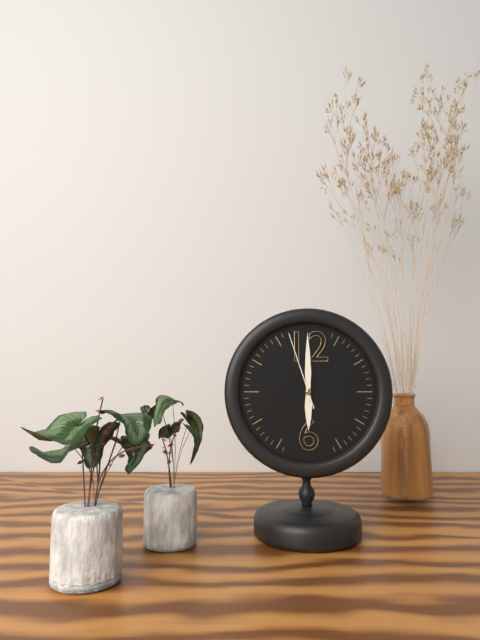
6 h 00 min 57 s
